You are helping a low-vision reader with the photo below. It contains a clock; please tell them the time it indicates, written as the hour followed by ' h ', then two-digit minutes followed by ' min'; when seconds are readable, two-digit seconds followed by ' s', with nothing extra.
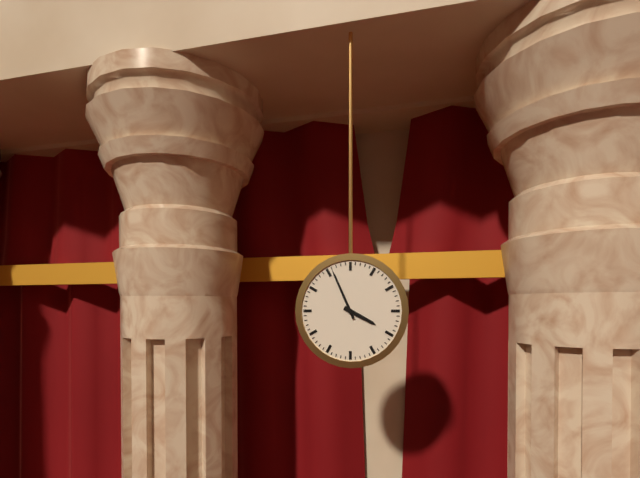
3 h 56 min
